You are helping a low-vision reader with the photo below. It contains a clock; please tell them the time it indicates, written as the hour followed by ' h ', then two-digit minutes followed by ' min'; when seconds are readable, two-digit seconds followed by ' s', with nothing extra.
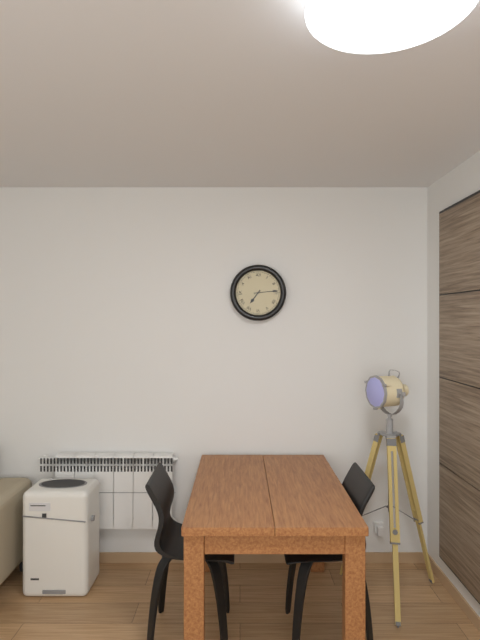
7 h 14 min
